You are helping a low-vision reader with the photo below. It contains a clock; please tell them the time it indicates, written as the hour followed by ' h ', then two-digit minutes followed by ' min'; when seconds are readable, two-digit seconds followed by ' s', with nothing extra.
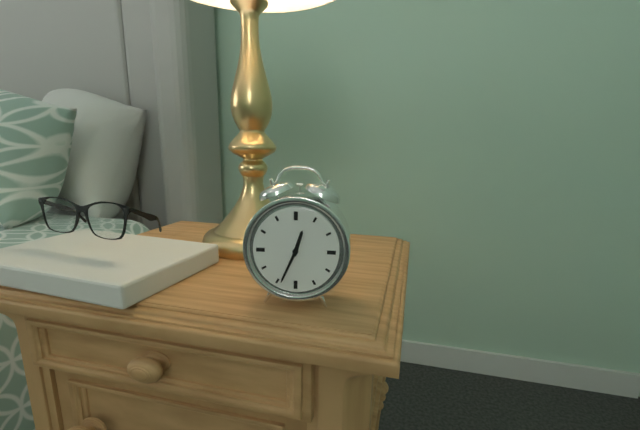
12 h 34 min
